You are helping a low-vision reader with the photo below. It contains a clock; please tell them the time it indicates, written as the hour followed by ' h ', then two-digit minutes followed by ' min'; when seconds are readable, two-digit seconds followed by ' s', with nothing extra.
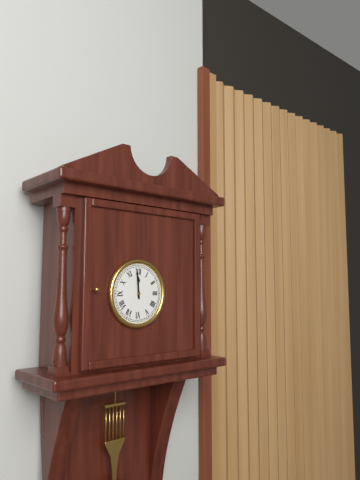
11 h 59 min
